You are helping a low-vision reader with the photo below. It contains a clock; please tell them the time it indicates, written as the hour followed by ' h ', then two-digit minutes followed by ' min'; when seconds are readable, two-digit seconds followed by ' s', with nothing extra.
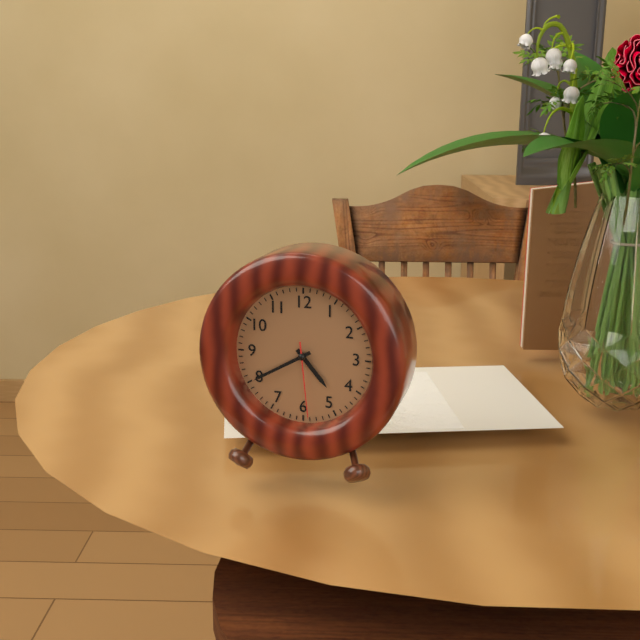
4 h 40 min 29 s
